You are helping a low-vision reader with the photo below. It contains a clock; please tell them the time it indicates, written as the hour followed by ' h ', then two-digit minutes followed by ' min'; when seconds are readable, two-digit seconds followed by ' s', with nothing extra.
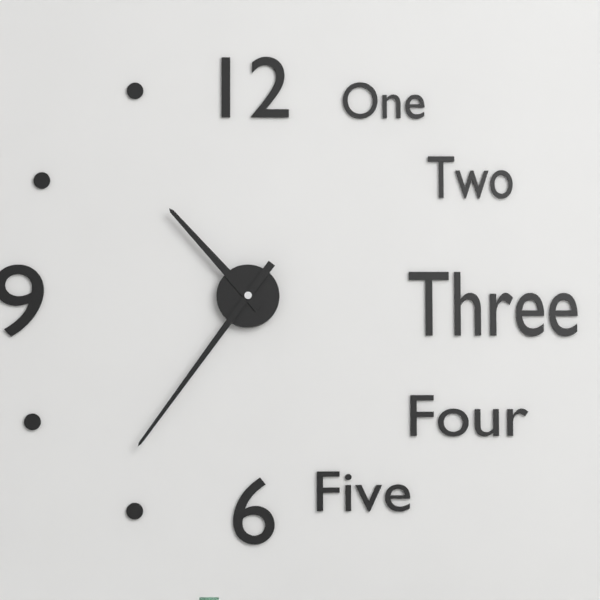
10 h 36 min
